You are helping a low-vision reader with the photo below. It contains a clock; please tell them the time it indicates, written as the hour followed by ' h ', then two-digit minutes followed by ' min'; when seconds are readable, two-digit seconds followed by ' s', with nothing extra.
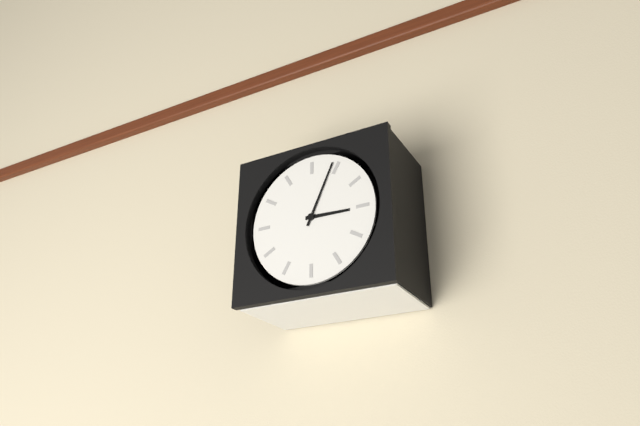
3 h 04 min
